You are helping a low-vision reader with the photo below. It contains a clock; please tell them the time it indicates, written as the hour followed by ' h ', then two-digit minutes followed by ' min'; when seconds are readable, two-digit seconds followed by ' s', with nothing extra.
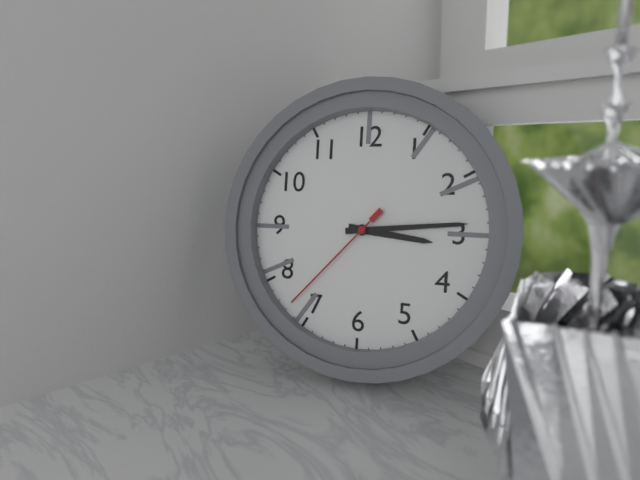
3 h 14 min 37 s
